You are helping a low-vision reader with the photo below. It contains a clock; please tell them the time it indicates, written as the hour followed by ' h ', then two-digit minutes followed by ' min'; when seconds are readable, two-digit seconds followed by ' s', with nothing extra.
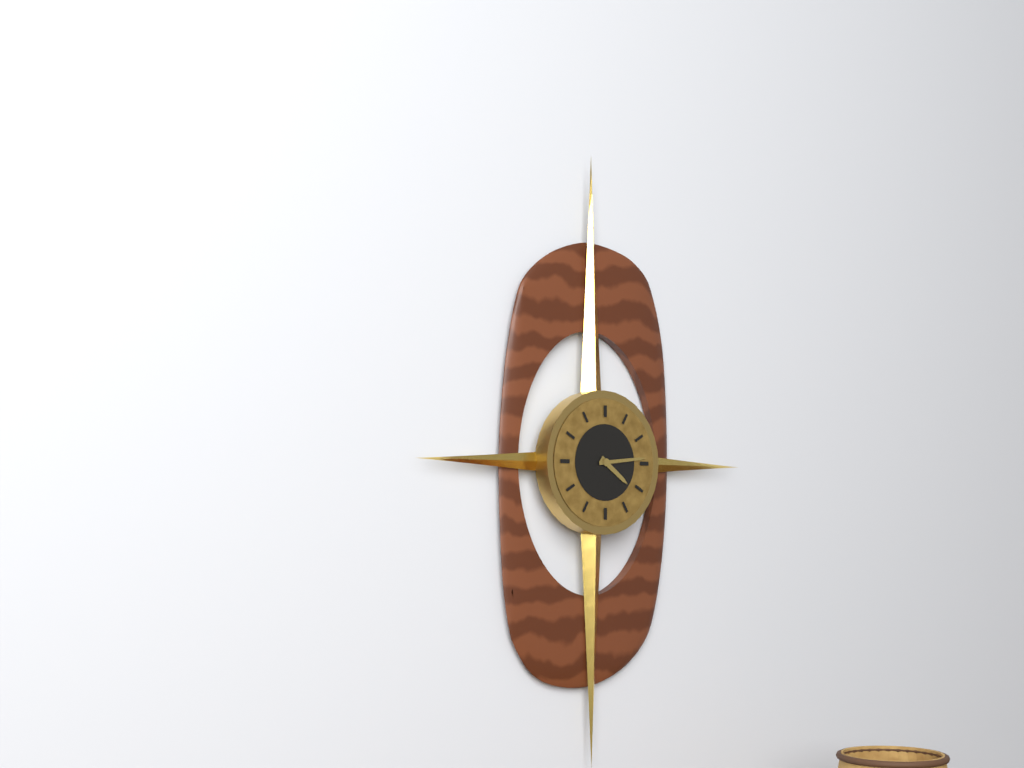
4 h 14 min
